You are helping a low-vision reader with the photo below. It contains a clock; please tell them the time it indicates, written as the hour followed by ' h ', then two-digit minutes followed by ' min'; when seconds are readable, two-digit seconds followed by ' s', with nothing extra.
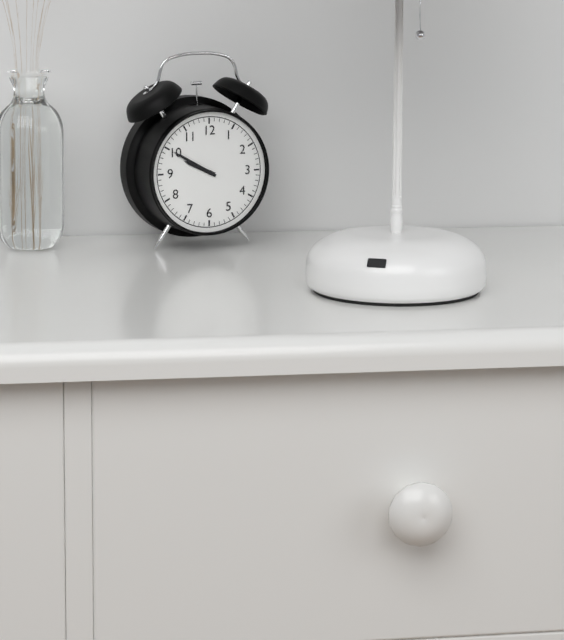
9 h 50 min
